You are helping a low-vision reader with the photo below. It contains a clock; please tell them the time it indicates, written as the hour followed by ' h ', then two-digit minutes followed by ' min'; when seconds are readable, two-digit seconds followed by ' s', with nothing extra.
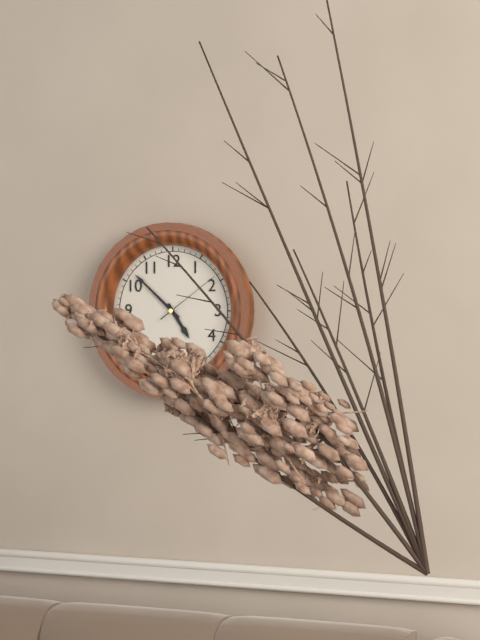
4 h 52 min 09 s
